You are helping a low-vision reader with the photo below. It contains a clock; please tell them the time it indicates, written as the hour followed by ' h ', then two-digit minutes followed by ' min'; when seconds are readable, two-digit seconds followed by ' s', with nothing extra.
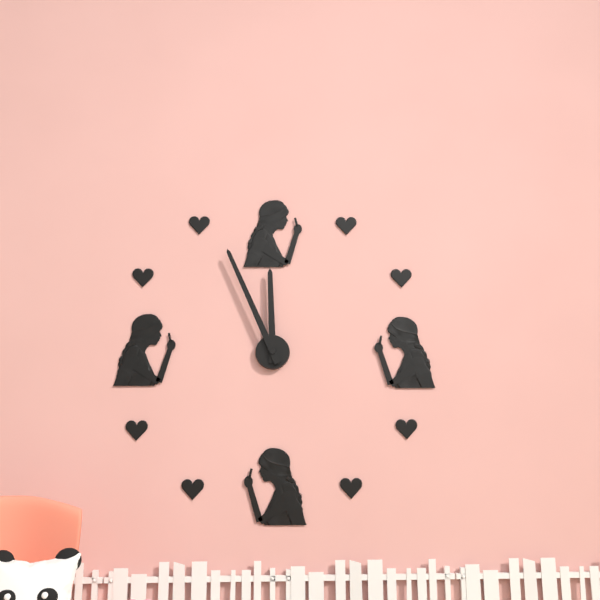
11 h 56 min
